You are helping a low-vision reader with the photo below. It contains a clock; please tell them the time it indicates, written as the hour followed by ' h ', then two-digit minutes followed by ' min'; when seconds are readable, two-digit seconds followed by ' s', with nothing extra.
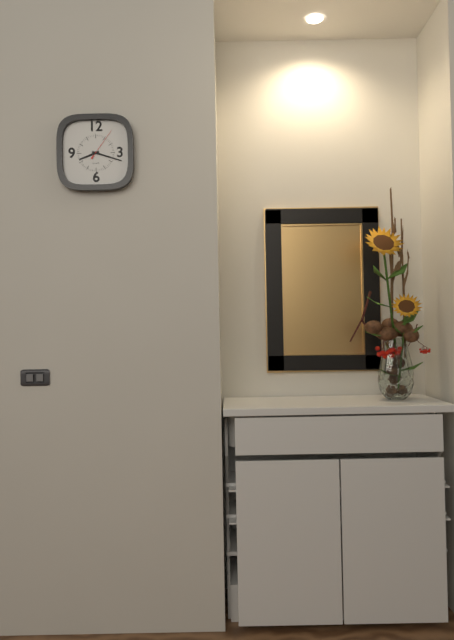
8 h 18 min
